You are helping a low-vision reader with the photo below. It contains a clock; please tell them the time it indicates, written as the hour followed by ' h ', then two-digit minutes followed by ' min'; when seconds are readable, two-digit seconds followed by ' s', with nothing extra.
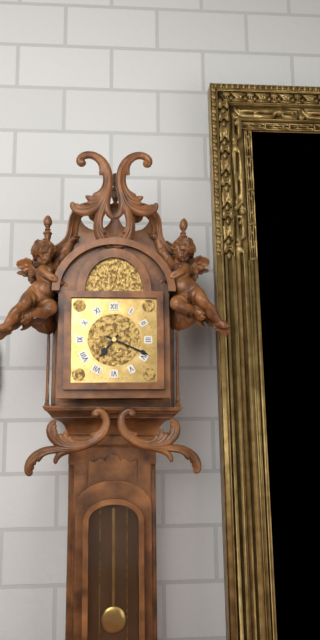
7 h 19 min
